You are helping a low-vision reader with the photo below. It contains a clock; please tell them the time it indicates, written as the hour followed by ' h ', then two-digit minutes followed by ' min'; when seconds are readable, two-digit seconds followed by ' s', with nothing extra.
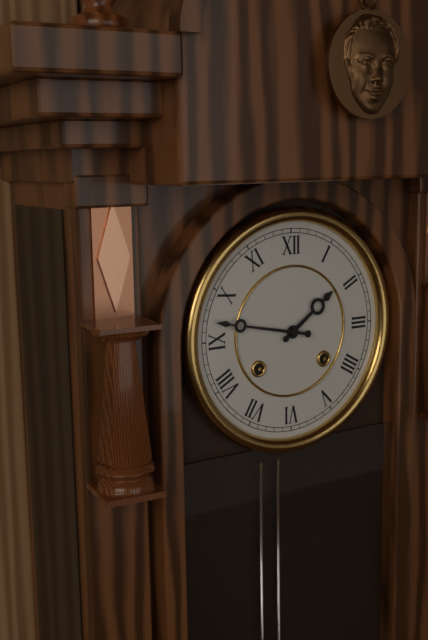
1 h 47 min
